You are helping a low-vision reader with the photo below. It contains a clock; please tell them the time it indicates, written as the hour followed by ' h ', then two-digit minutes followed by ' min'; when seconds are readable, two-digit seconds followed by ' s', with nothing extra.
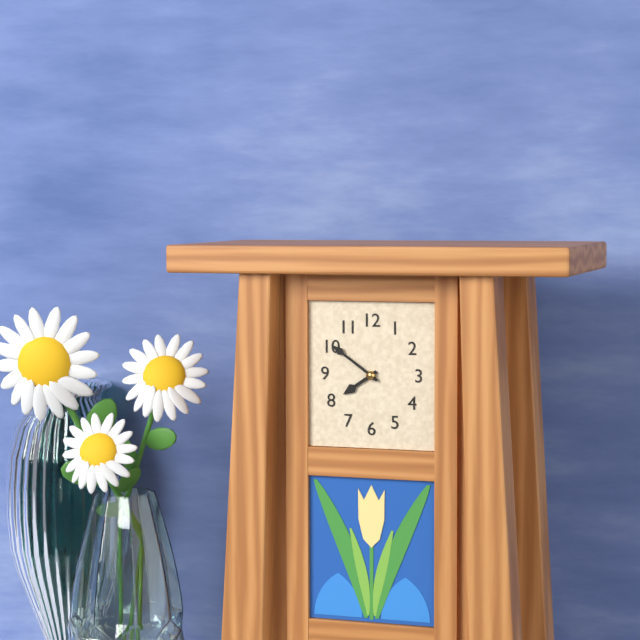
7 h 51 min
